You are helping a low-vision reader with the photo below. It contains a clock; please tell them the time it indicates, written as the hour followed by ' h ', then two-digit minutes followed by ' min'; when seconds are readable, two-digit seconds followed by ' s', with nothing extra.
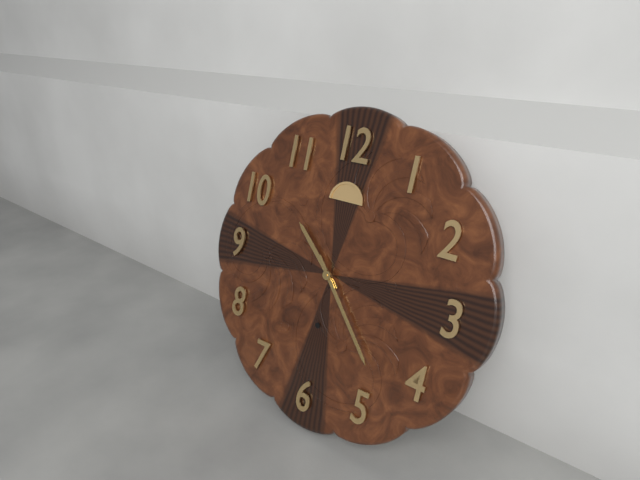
10 h 23 min
